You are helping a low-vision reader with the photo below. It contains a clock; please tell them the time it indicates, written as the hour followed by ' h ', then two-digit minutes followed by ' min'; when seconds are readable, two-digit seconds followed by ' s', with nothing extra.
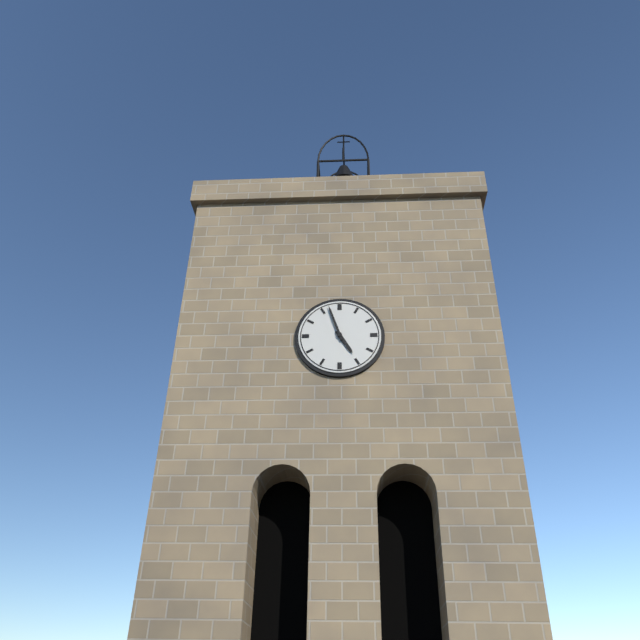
4 h 57 min
